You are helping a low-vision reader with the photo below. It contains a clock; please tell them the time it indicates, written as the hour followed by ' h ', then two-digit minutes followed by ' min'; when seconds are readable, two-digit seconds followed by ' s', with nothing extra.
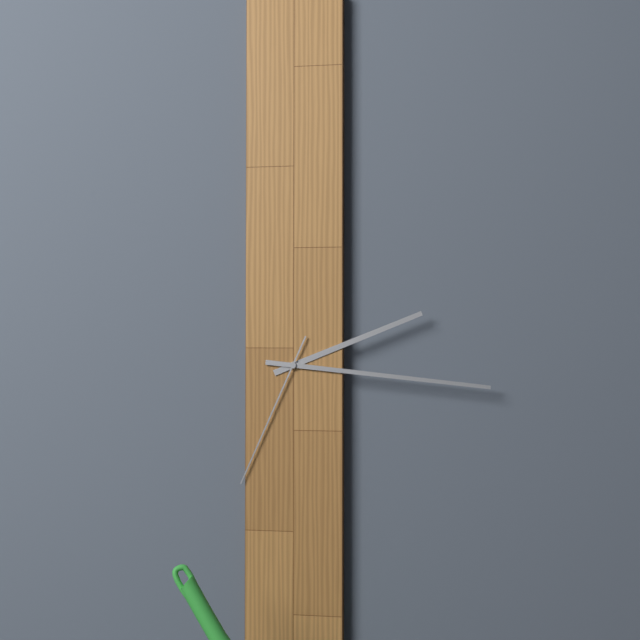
2 h 16 min 34 s
